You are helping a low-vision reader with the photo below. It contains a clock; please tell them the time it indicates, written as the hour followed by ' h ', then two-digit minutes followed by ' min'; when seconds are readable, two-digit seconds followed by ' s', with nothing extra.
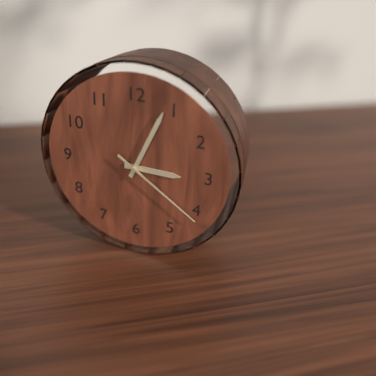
3 h 04 min 21 s
